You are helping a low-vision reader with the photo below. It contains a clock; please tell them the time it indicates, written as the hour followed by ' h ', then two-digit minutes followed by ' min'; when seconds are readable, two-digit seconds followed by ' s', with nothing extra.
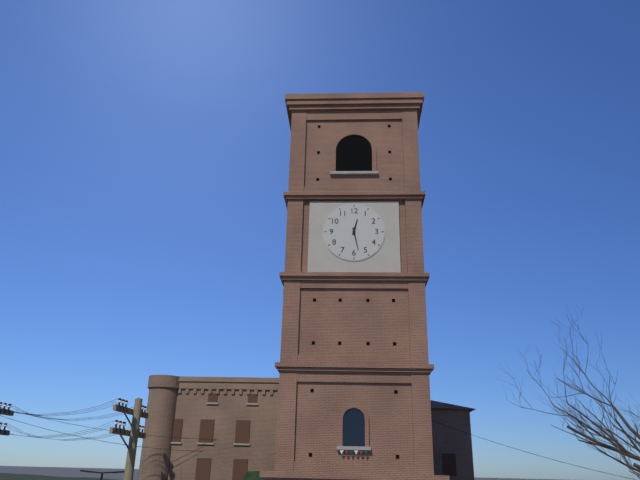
12 h 28 min
